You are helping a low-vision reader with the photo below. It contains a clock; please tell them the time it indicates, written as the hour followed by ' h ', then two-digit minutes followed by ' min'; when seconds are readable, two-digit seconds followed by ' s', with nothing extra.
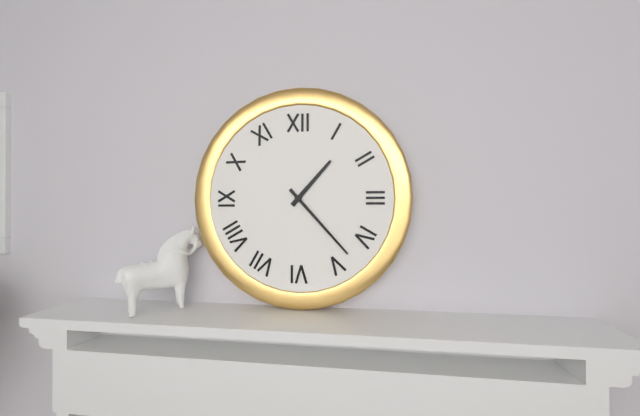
1 h 23 min
